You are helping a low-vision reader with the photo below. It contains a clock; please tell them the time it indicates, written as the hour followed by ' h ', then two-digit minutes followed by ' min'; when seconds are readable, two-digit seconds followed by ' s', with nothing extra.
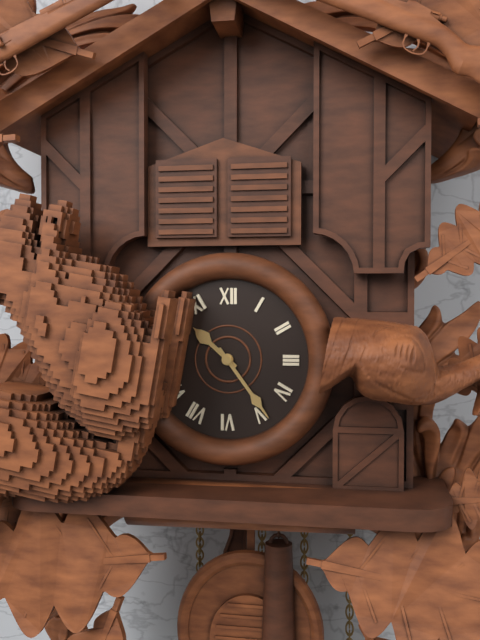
10 h 24 min
